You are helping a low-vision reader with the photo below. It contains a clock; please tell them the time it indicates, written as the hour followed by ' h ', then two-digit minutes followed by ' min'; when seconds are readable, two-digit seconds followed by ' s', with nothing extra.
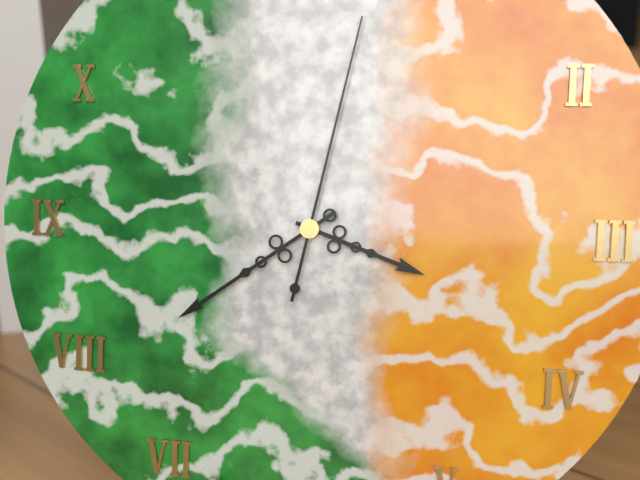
3 h 39 min 02 s
